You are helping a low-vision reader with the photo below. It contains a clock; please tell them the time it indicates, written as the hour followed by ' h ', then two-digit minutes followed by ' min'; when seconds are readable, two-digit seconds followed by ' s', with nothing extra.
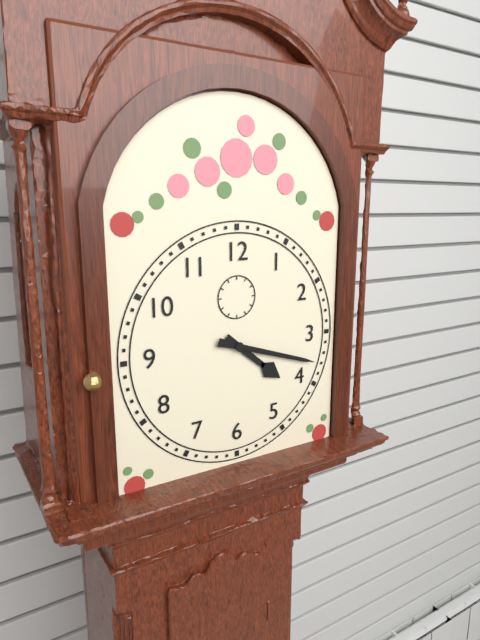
4 h 18 min
